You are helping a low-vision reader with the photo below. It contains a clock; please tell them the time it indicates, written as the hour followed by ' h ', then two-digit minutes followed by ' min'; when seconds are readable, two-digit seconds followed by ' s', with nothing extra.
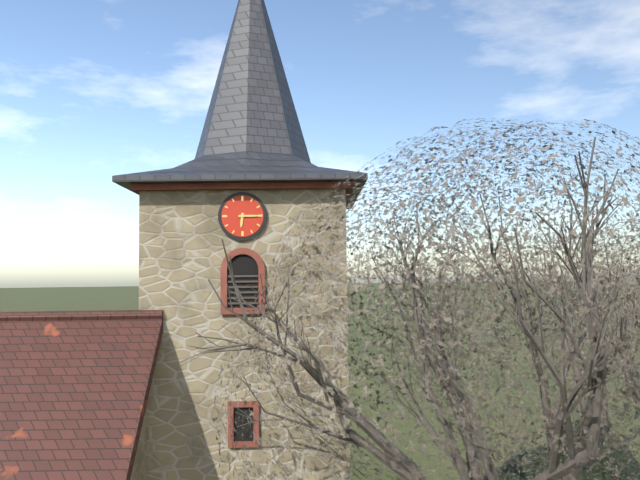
6 h 15 min
